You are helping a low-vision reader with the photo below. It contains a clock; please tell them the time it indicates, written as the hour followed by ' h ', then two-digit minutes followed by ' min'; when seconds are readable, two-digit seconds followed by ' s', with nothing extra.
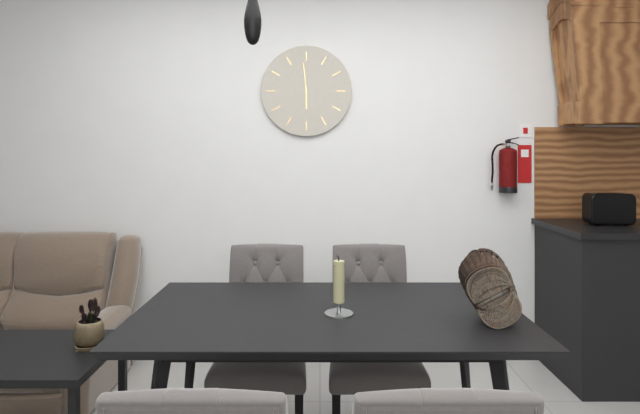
5 h 59 min
